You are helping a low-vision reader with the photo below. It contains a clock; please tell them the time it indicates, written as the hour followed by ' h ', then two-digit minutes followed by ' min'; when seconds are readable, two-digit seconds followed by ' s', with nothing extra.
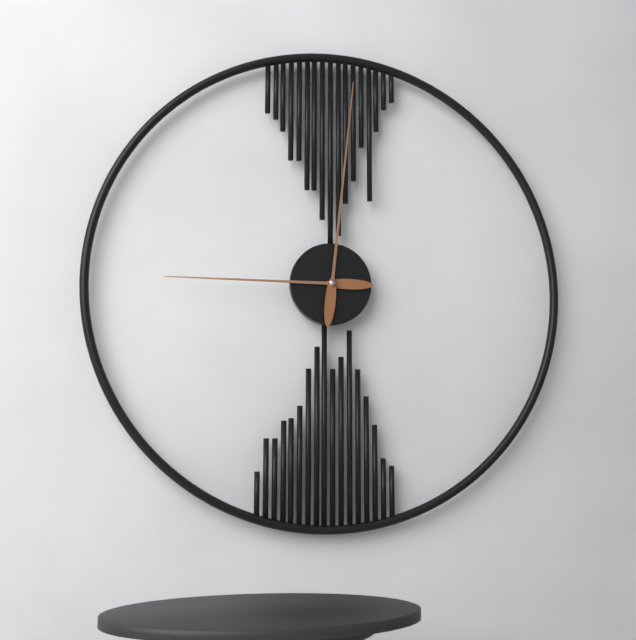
9 h 01 min
